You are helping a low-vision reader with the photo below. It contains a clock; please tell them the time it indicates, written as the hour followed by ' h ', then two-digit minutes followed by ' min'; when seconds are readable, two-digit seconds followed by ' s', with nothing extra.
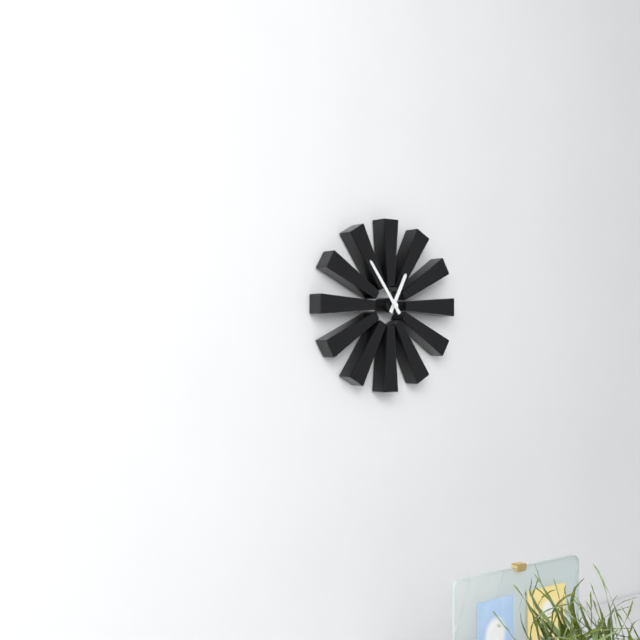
12 h 54 min
